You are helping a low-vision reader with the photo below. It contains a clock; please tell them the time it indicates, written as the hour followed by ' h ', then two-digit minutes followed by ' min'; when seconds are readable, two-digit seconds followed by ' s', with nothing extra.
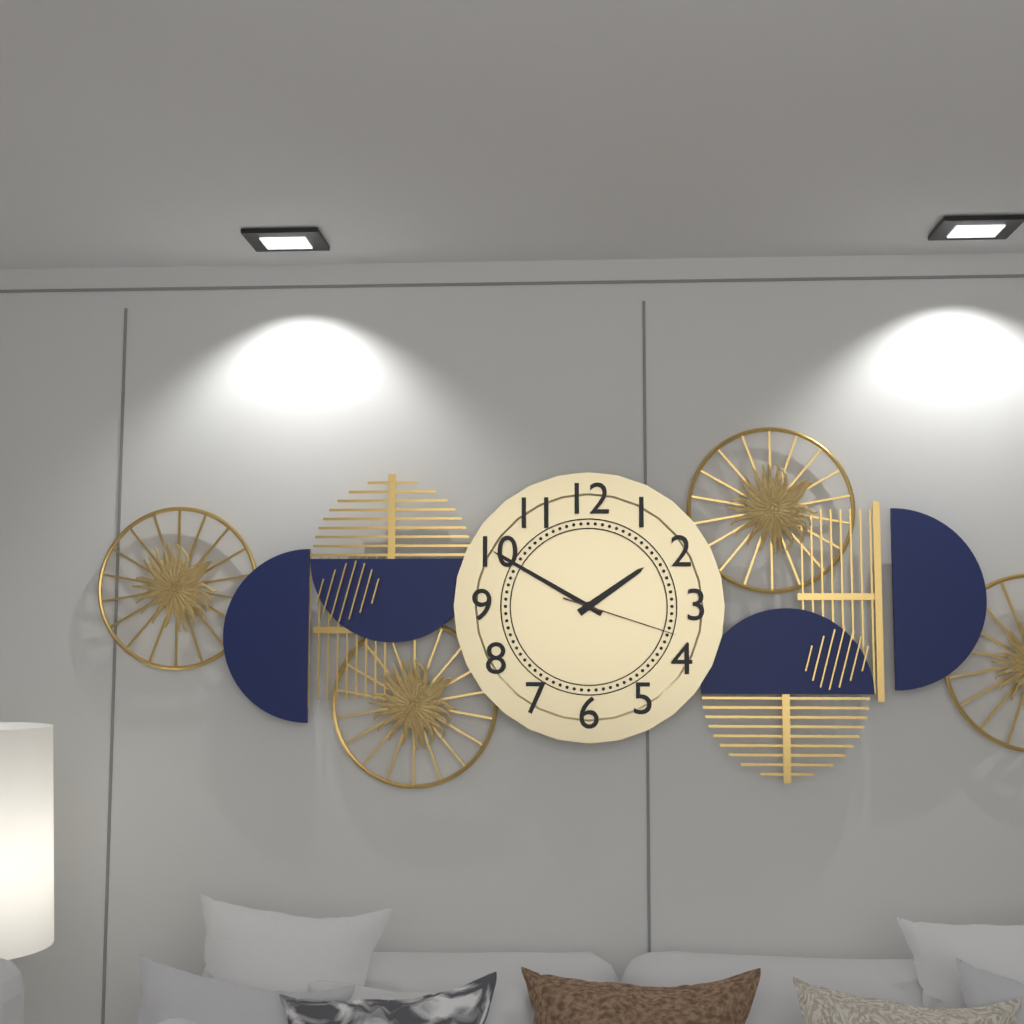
1 h 50 min 18 s
